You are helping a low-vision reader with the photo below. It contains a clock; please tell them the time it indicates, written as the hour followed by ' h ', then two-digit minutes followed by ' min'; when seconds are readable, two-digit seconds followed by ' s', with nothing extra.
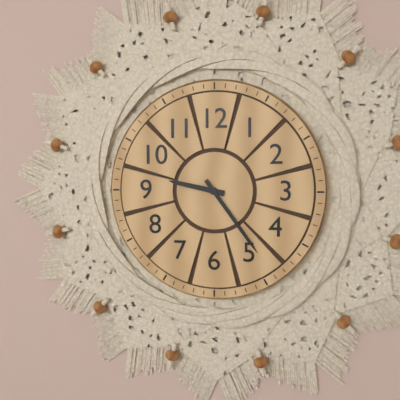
9 h 24 min
